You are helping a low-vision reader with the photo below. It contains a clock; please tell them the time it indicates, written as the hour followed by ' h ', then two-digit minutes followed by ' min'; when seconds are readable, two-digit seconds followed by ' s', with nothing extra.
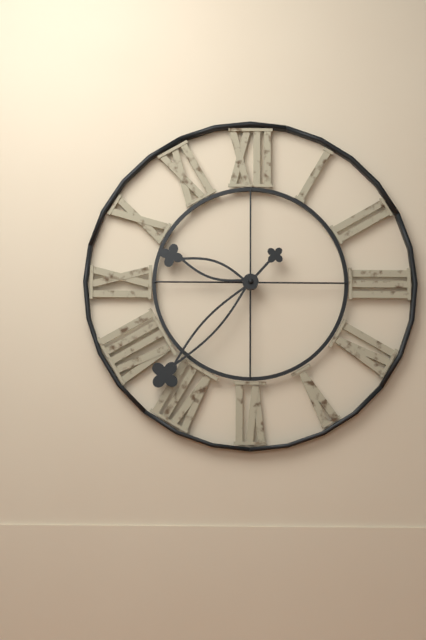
9 h 37 min
